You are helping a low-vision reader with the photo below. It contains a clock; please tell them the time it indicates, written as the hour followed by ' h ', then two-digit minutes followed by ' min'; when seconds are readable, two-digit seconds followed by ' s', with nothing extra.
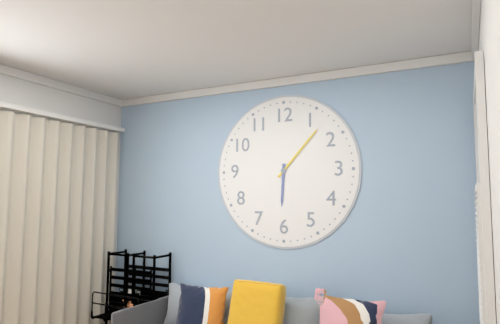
6 h 07 min
